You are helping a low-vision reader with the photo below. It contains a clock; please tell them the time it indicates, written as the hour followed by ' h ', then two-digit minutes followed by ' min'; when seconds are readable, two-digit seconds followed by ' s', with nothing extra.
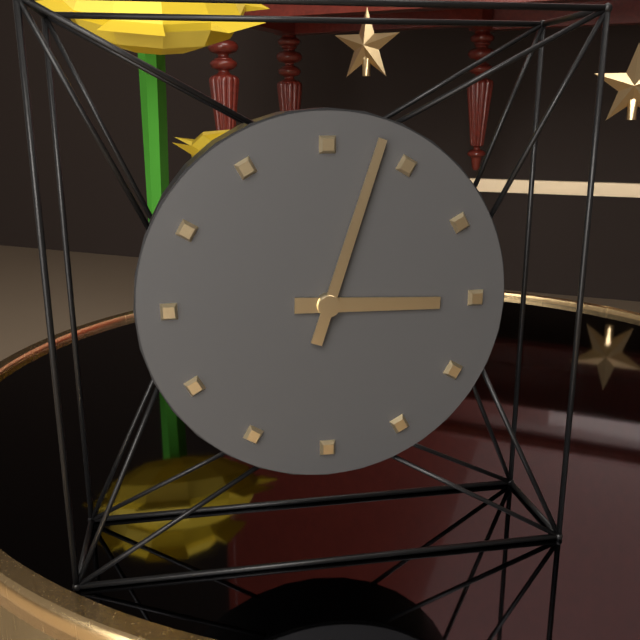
3 h 03 min
